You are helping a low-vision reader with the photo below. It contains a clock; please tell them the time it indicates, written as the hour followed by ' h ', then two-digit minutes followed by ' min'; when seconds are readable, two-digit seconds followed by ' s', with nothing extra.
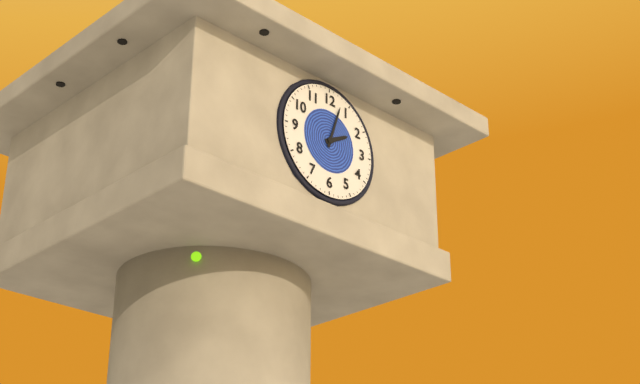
2 h 03 min
